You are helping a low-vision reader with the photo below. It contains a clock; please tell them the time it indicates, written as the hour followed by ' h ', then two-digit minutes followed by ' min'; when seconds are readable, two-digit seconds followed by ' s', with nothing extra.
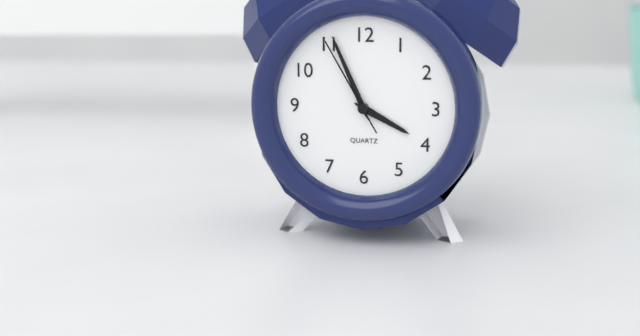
3 h 56 min 55 s
